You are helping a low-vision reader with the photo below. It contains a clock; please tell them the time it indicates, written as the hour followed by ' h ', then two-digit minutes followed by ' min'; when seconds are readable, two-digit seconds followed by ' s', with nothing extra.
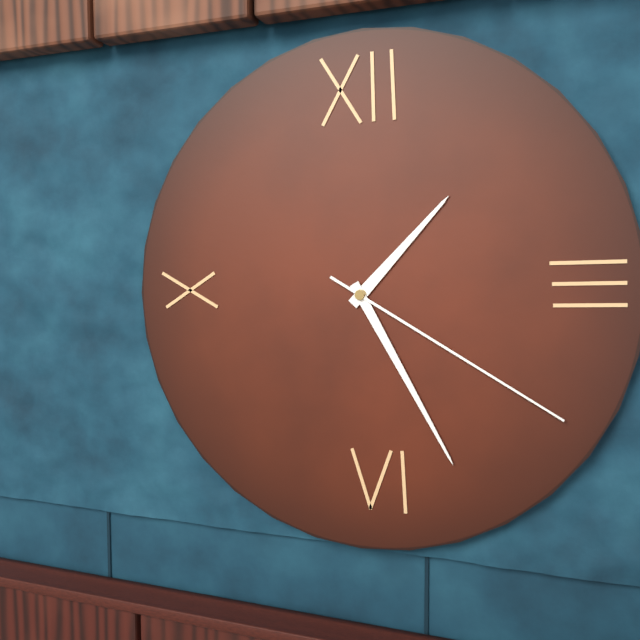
1 h 25 min 20 s
